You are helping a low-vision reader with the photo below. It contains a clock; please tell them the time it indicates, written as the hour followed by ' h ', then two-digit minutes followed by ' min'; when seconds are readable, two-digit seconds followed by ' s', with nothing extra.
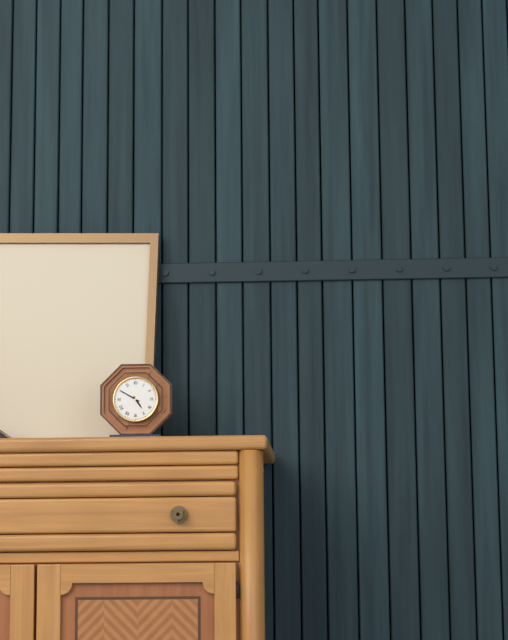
4 h 50 min
